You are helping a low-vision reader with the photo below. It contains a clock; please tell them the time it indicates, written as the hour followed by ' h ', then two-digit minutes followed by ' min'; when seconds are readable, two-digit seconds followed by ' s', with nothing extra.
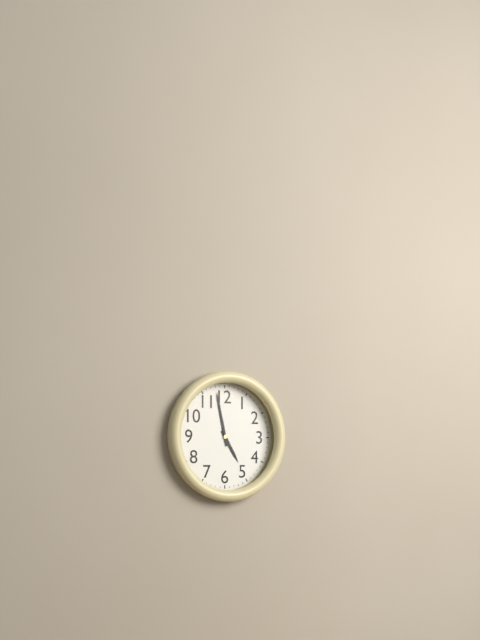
4 h 58 min
